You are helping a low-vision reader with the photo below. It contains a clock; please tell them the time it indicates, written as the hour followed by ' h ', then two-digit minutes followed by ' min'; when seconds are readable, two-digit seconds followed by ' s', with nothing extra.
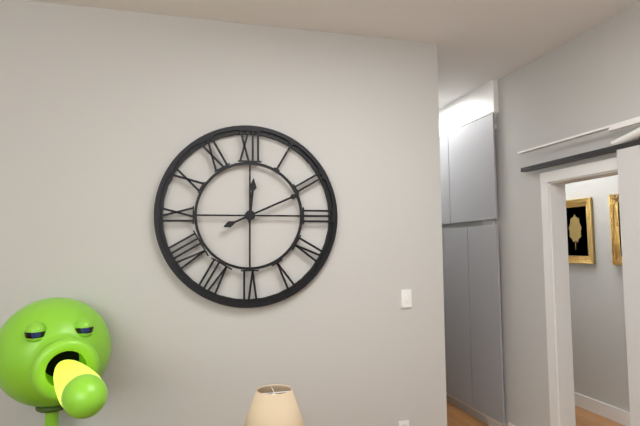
12 h 11 min
